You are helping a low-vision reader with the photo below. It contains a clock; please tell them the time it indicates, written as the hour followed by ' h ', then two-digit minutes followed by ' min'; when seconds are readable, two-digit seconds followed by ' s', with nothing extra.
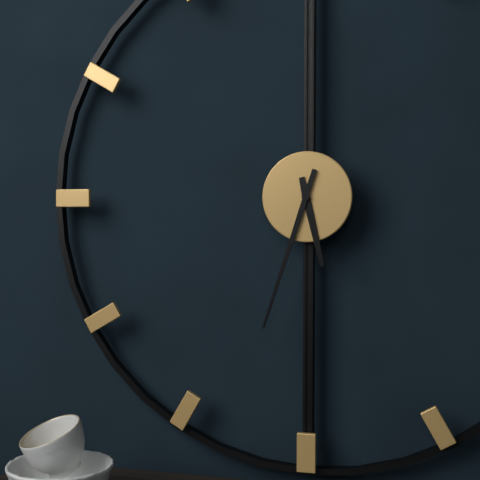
5 h 33 min
